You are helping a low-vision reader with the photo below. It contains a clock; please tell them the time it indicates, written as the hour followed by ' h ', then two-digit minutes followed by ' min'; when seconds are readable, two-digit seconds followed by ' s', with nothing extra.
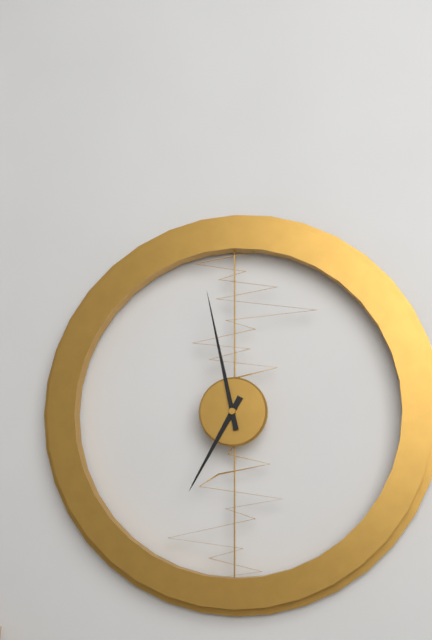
6 h 58 min
